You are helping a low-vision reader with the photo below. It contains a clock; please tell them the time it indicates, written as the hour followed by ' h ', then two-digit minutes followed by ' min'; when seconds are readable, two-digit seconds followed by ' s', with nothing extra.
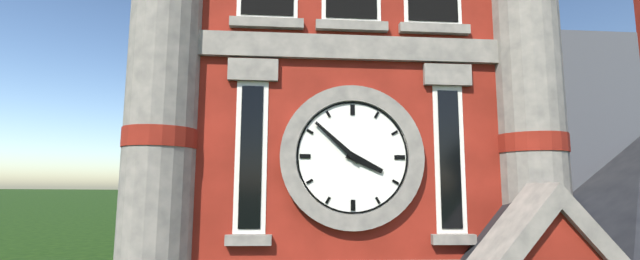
3 h 52 min
